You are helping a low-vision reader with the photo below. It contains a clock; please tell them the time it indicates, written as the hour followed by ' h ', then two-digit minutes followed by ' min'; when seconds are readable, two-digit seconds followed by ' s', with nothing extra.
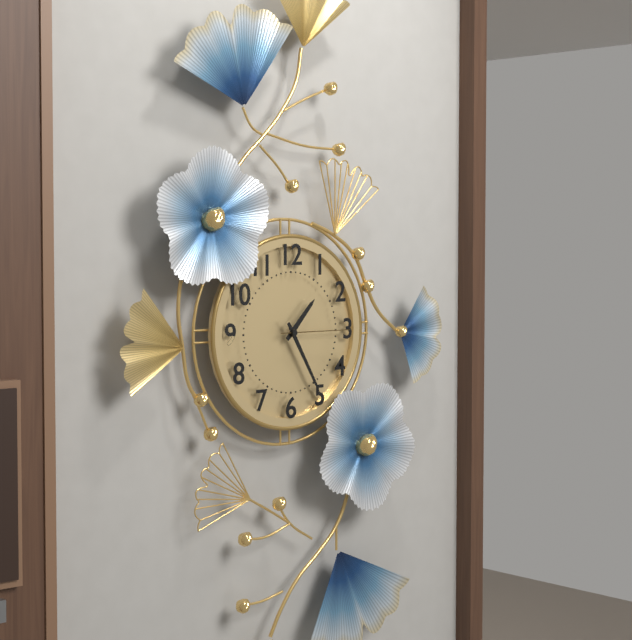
1 h 25 min 15 s
